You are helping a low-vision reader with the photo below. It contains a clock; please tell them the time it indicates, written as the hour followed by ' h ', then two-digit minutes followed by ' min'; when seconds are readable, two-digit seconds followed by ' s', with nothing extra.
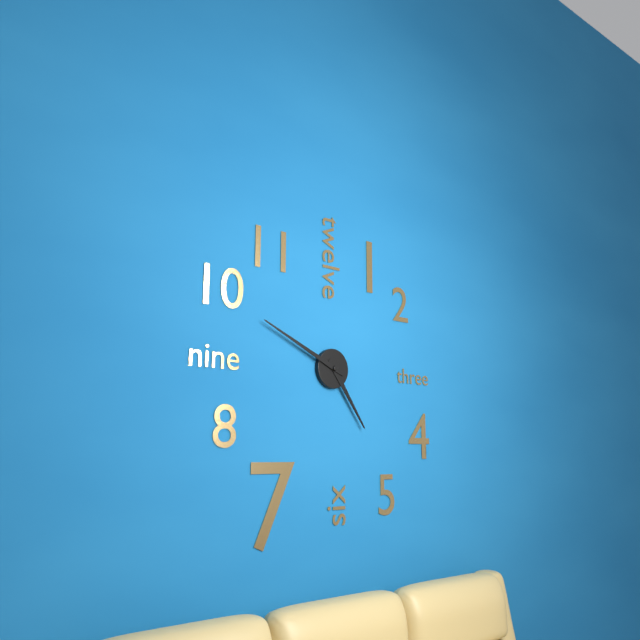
4 h 49 min
